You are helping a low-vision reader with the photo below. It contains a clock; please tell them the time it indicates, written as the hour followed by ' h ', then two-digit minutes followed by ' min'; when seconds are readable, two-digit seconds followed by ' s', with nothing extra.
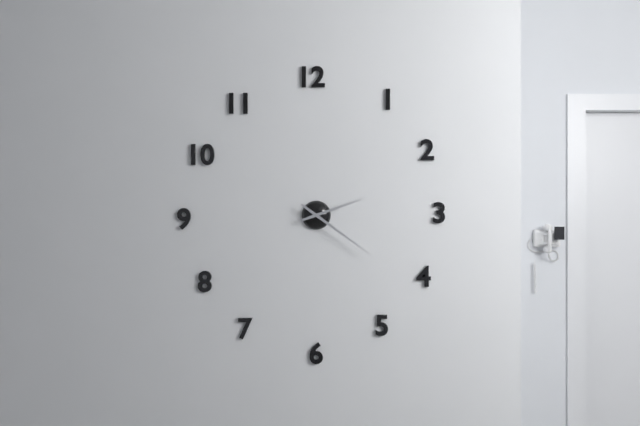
2 h 21 min
